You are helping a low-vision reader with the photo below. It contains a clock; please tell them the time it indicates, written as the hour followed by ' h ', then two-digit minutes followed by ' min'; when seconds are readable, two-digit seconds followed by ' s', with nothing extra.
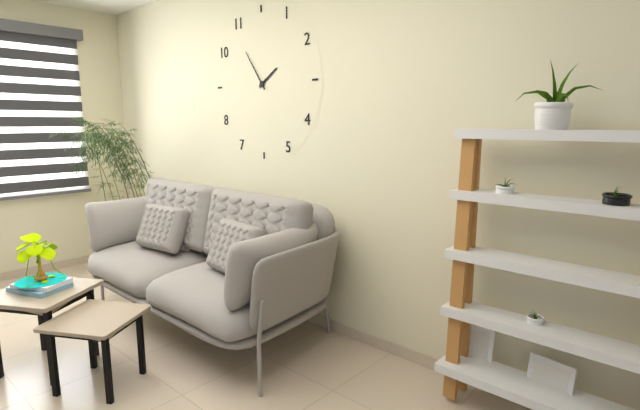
1 h 54 min
